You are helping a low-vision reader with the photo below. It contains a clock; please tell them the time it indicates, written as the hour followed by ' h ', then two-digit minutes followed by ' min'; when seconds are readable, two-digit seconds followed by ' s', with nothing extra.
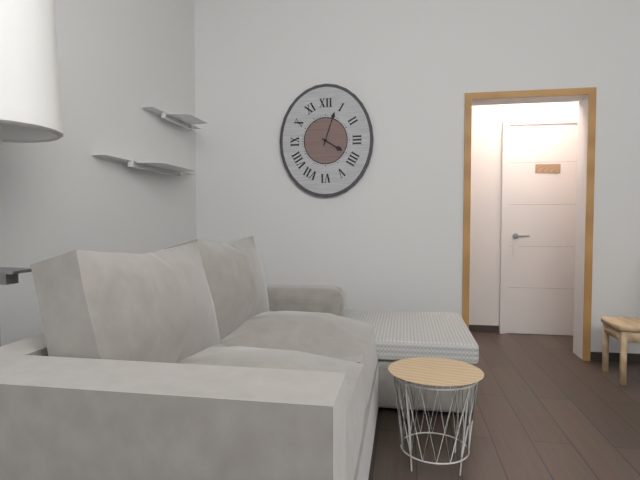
4 h 03 min
